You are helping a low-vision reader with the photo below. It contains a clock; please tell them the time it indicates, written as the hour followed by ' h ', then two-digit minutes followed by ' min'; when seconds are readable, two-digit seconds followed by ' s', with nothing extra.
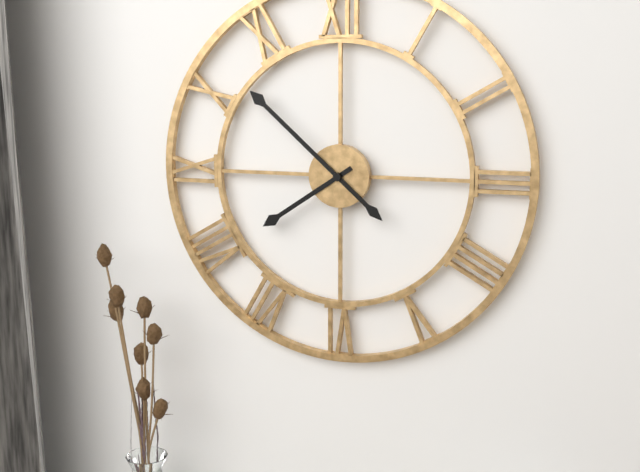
7 h 52 min
